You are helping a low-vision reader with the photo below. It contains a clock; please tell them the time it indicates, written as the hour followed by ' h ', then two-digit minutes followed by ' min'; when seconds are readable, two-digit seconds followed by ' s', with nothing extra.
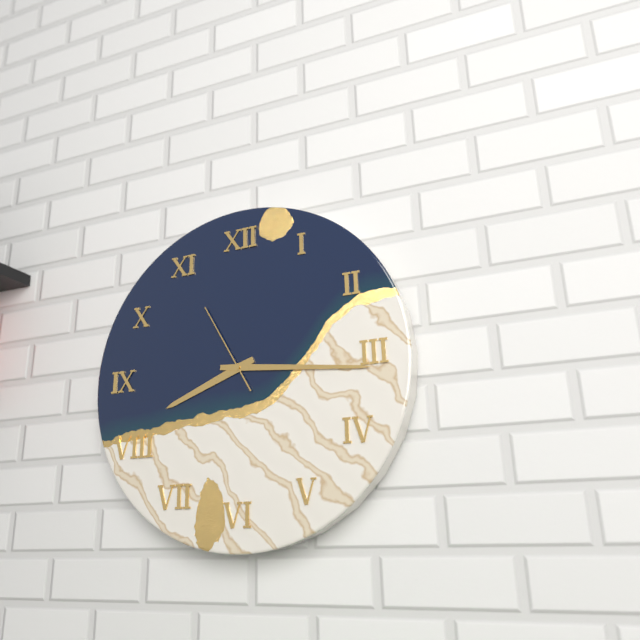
8 h 16 min 55 s
